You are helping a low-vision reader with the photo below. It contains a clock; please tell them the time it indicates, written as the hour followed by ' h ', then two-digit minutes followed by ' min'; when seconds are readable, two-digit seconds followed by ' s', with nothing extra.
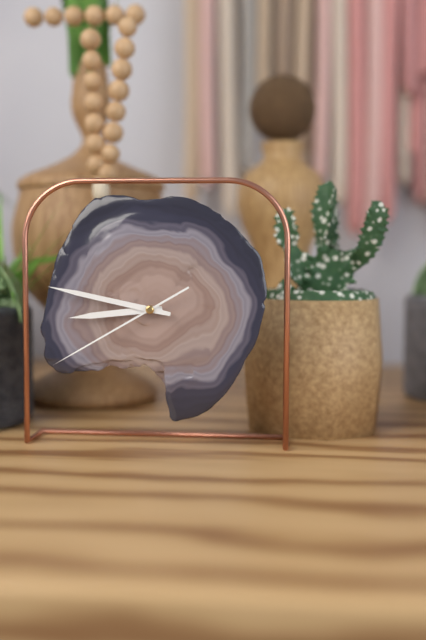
8 h 47 min 40 s
